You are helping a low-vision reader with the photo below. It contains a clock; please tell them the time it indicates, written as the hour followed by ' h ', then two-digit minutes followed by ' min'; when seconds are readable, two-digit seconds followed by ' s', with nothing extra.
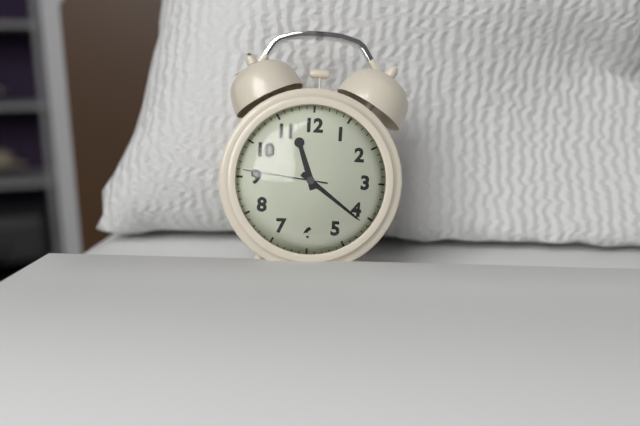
11 h 21 min 46 s
